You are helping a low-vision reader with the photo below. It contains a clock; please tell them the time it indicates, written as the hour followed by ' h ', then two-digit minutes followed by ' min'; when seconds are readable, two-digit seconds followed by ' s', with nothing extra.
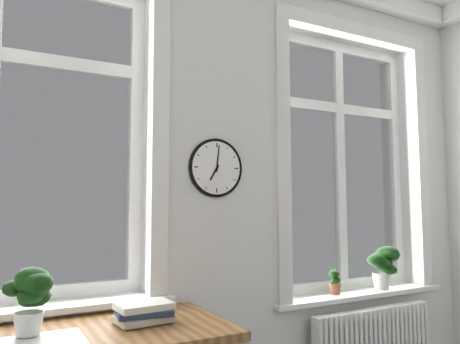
7 h 01 min
